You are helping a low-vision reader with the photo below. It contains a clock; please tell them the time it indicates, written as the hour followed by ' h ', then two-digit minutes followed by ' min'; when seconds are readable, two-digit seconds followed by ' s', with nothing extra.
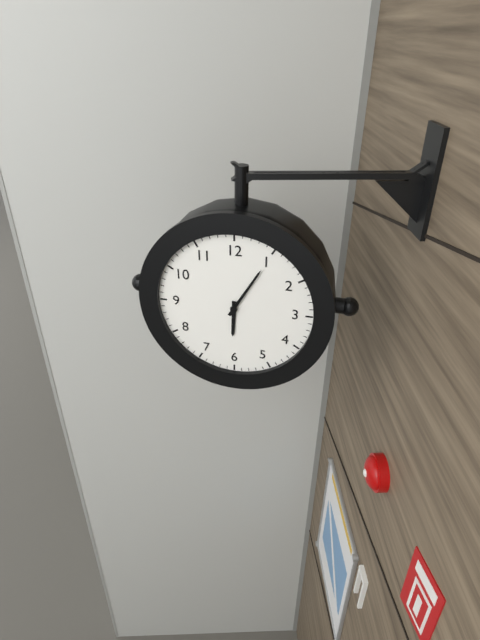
6 h 05 min
